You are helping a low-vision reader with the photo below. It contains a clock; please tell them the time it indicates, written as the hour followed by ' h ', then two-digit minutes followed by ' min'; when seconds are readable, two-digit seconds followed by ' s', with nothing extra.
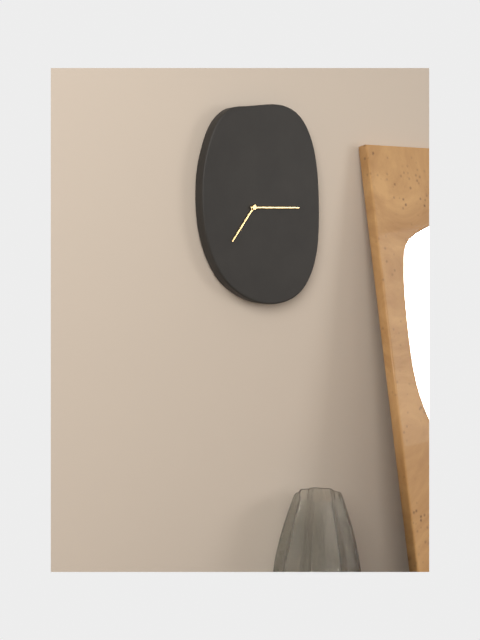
7 h 15 min
